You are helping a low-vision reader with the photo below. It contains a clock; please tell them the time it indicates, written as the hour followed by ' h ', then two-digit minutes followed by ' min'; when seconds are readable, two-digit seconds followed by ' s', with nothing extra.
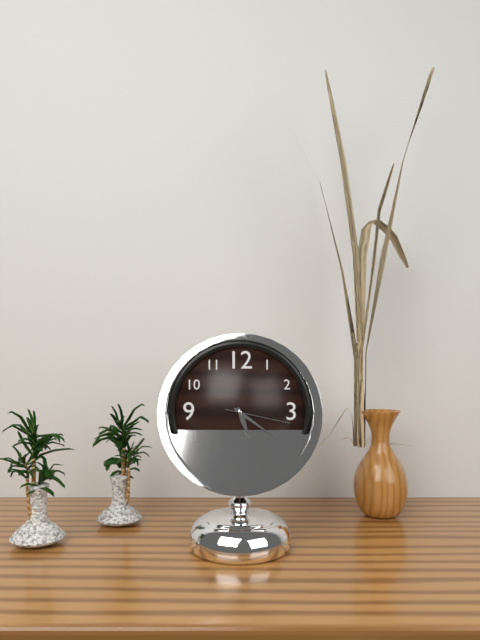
5 h 21 min 17 s
